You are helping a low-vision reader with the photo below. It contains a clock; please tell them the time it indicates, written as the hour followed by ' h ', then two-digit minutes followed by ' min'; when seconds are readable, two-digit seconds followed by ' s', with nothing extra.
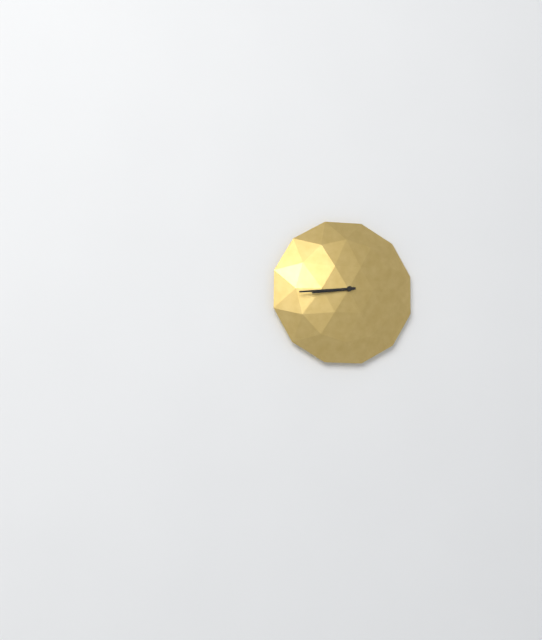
8 h 44 min
